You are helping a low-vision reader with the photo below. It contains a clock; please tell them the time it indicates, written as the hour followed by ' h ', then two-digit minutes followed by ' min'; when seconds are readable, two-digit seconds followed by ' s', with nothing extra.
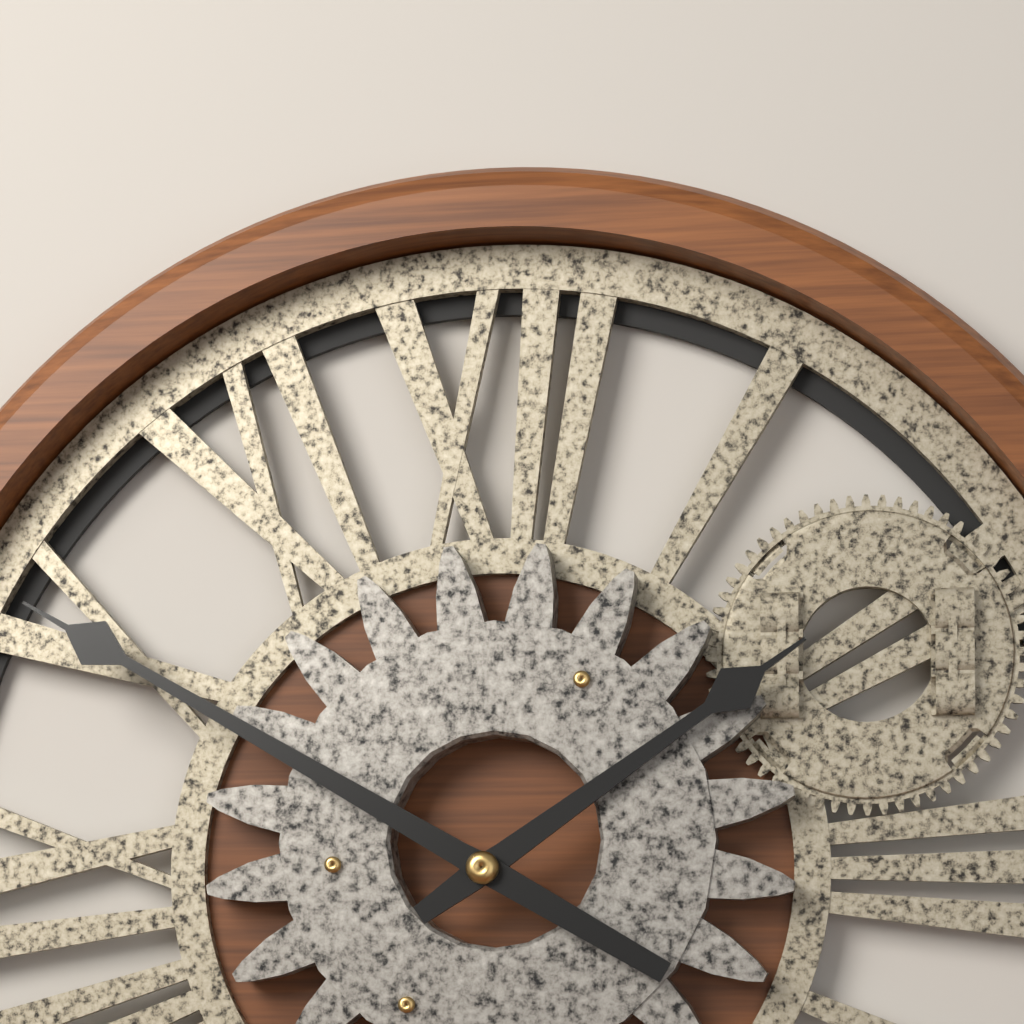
1 h 50 min
